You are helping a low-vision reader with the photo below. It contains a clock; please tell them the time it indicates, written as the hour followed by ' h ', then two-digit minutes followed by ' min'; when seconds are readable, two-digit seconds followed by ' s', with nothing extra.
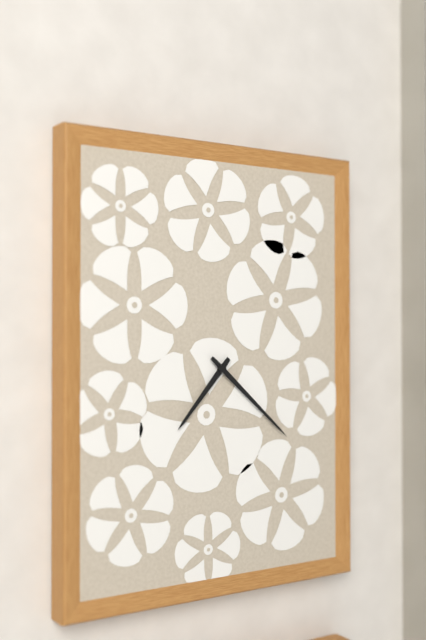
7 h 22 min
